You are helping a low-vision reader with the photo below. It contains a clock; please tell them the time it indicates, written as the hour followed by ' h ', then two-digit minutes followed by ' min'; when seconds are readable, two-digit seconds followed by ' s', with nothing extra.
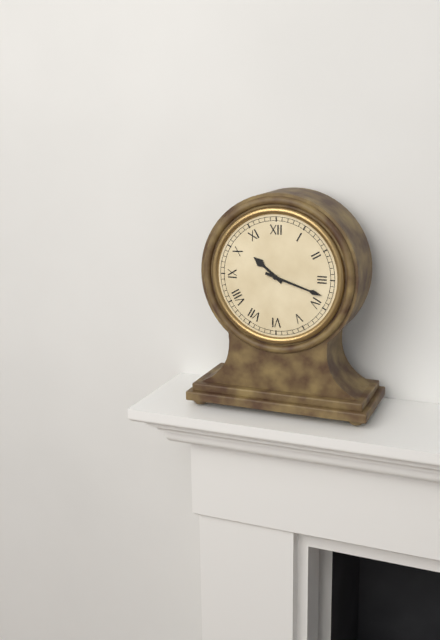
10 h 18 min
